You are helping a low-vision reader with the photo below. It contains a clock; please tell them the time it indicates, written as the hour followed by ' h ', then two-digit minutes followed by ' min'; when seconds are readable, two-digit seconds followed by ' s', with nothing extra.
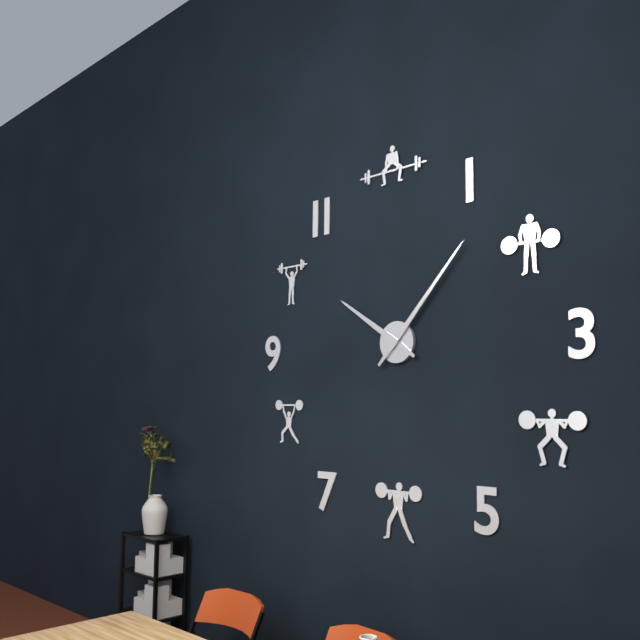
10 h 07 min
